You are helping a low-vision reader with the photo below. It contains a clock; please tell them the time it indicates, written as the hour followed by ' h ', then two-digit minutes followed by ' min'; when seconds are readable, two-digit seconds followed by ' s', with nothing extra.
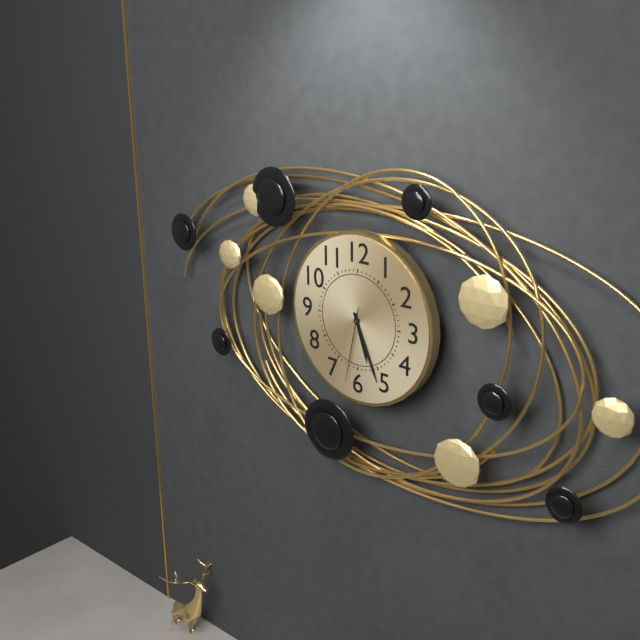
5 h 26 min 32 s
